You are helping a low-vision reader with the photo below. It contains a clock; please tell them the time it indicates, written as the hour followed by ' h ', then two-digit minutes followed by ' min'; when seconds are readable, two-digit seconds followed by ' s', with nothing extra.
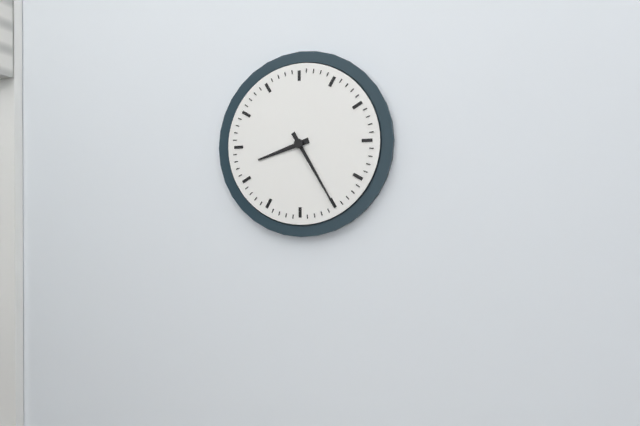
8 h 25 min
